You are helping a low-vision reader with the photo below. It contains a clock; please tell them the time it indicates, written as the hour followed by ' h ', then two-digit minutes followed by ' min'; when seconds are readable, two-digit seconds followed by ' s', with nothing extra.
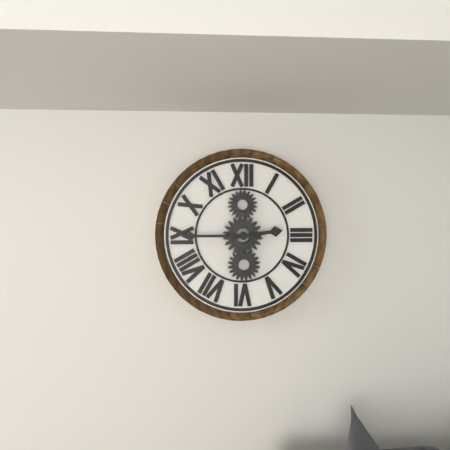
2 h 45 min
